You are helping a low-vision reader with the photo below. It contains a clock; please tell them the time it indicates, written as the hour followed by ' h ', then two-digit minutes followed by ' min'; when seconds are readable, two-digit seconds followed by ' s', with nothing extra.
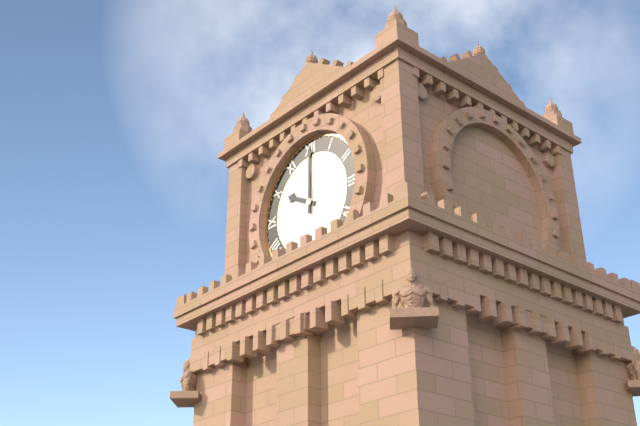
10 h 00 min
